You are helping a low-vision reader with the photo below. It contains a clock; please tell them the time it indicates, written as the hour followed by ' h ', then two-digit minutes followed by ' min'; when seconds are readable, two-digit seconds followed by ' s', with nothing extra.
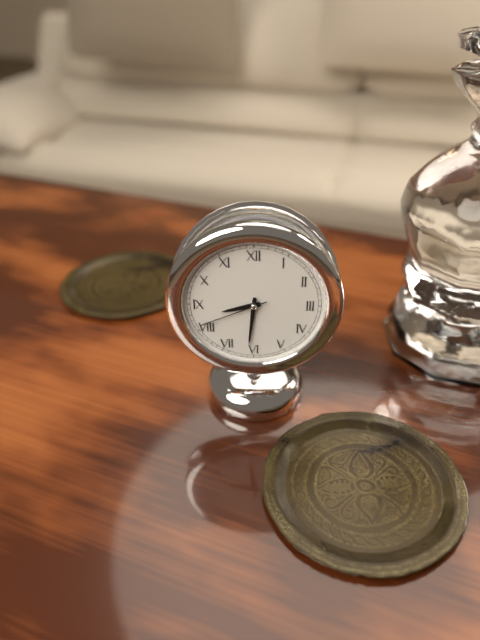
8 h 31 min 41 s
